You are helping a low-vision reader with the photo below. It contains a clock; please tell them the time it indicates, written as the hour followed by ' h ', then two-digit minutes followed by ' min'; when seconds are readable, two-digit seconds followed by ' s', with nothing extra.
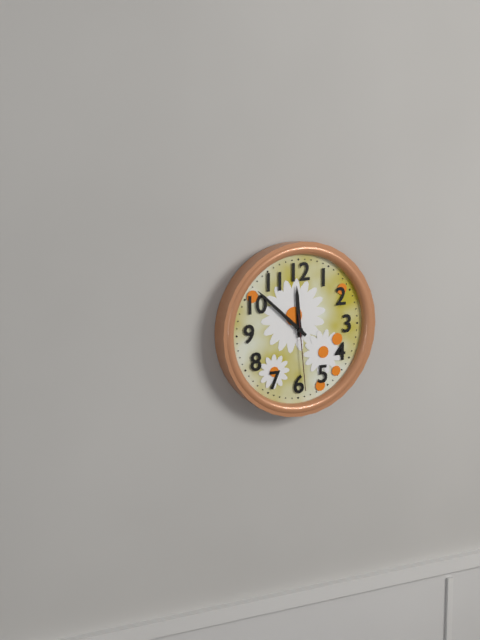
11 h 52 min 29 s
